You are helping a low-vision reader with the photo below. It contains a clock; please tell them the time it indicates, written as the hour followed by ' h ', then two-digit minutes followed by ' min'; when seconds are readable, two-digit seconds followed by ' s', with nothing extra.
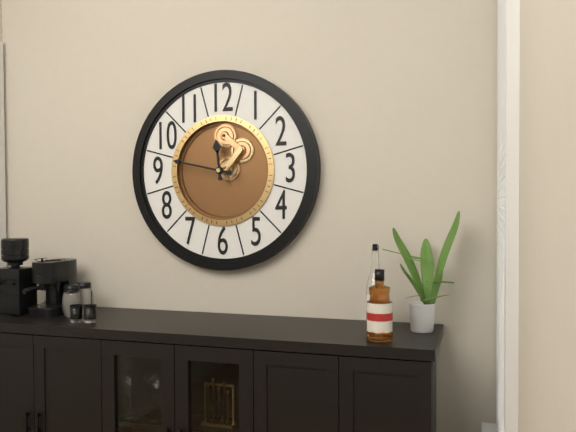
11 h 47 min
